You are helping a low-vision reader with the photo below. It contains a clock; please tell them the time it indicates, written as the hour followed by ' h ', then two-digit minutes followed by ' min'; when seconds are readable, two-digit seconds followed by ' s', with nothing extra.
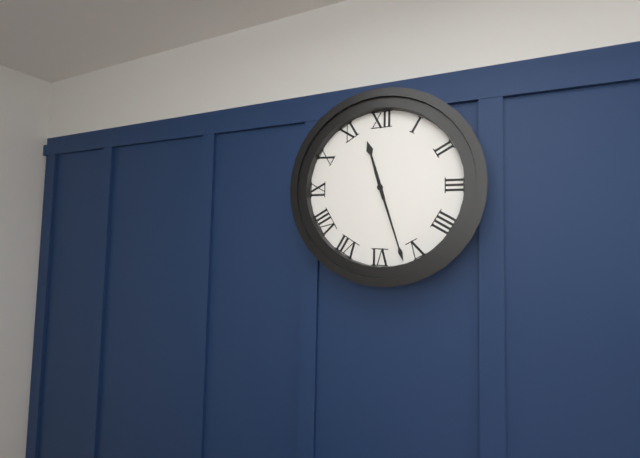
11 h 27 min
